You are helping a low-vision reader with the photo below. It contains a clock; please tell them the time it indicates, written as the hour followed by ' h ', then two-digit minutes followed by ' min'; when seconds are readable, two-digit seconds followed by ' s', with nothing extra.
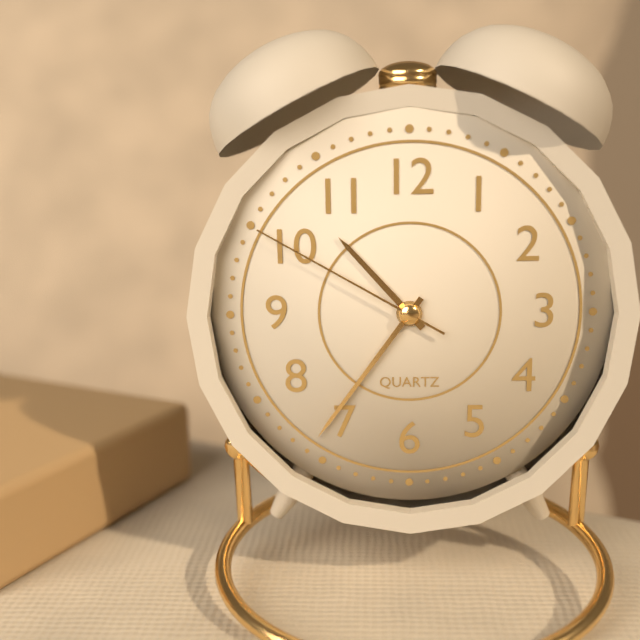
10 h 36 min 50 s
